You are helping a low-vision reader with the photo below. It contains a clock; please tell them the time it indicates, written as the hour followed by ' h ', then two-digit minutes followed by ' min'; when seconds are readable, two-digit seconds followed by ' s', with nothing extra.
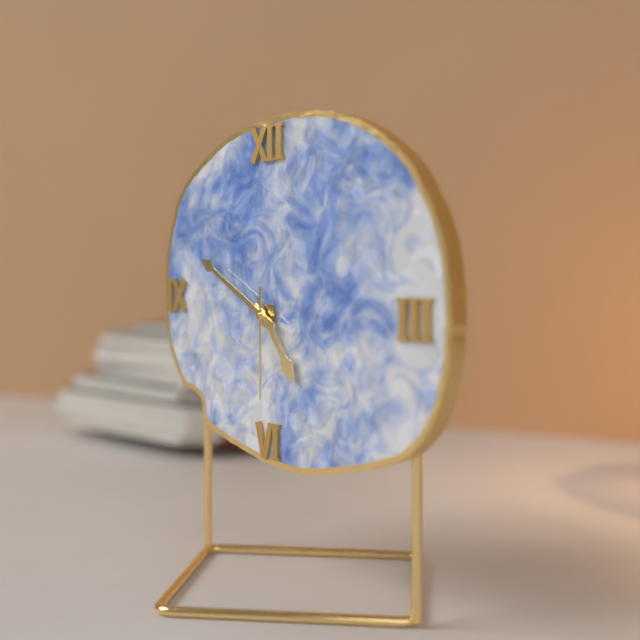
4 h 50 min 30 s
